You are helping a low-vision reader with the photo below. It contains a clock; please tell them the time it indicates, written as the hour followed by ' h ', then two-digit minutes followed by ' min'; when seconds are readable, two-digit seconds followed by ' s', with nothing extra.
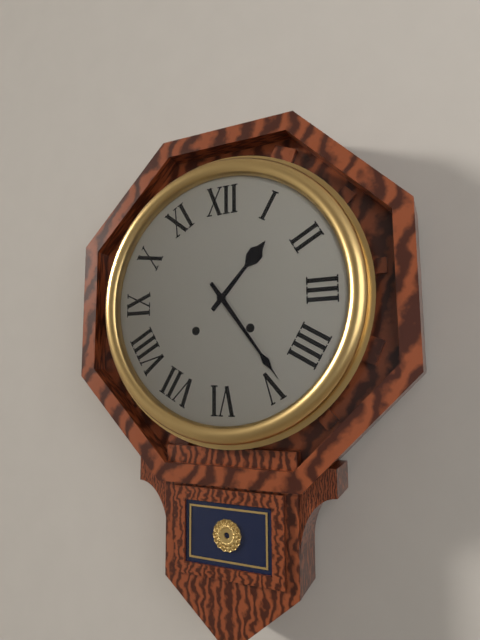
1 h 24 min
